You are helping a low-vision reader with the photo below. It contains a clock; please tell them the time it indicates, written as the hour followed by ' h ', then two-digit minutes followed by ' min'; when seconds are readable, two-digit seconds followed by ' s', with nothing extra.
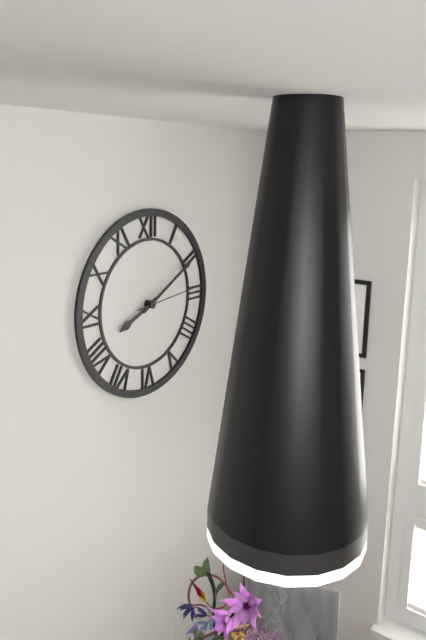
8 h 10 min 14 s
